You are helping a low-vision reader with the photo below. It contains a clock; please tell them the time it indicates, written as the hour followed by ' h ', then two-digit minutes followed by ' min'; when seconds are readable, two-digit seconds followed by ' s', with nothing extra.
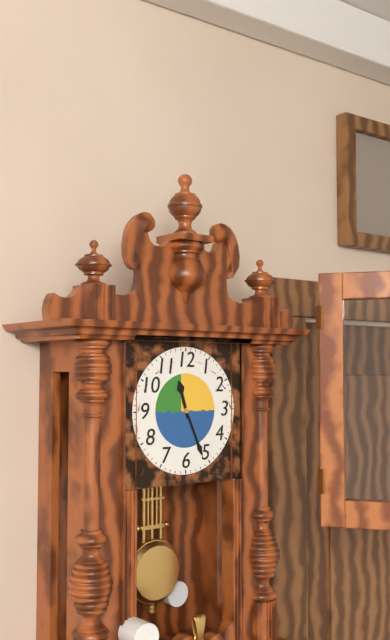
11 h 26 min
